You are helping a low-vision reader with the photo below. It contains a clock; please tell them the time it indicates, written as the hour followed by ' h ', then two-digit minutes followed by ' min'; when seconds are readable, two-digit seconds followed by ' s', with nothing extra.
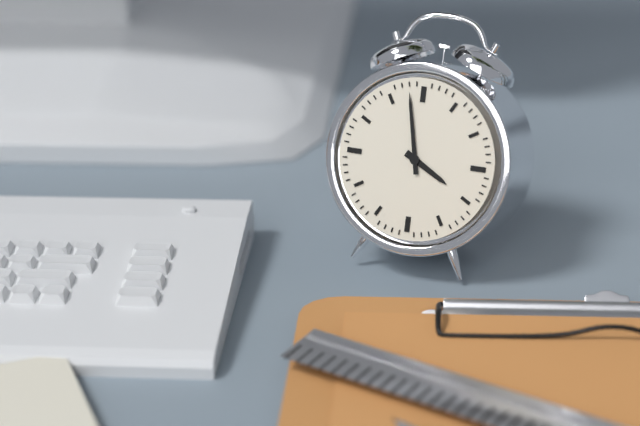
3 h 58 min
